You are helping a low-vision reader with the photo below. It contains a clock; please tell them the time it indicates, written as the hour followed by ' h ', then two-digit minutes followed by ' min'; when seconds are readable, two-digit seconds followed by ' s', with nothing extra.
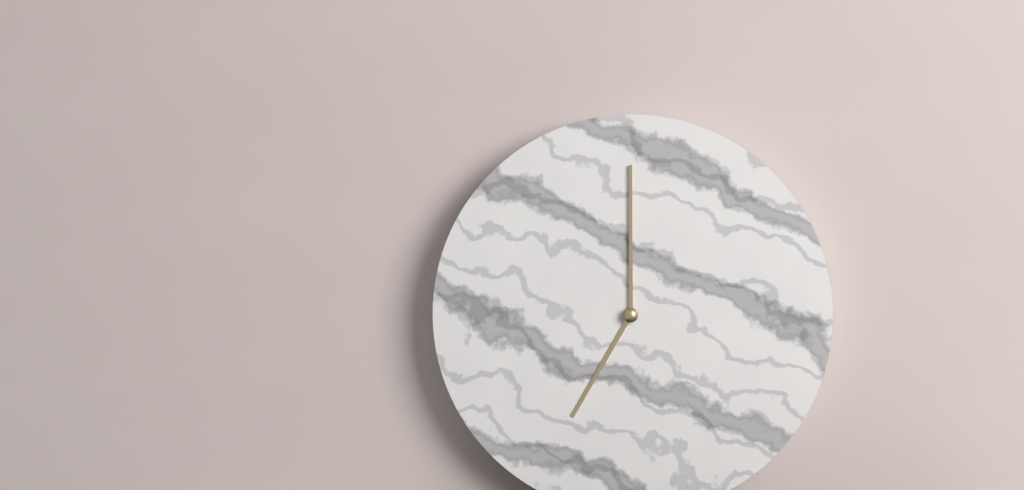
7 h 00 min
